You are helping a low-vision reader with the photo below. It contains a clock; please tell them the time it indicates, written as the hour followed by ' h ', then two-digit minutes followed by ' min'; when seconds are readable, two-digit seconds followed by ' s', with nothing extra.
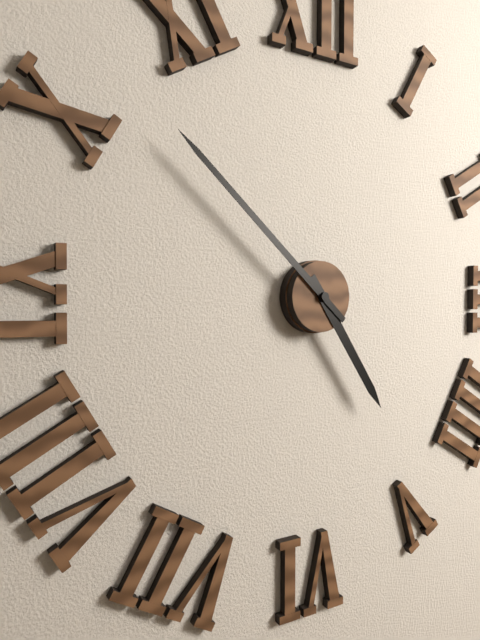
4 h 52 min
